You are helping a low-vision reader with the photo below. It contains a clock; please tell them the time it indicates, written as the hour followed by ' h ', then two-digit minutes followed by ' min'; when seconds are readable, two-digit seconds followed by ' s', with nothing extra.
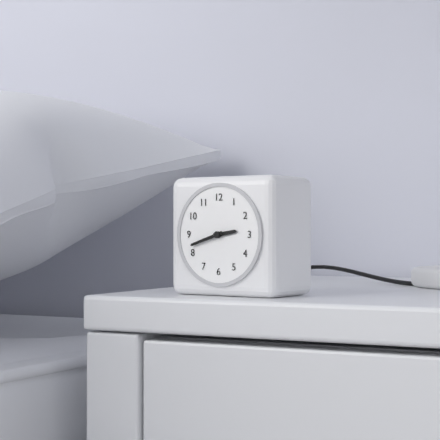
2 h 42 min
